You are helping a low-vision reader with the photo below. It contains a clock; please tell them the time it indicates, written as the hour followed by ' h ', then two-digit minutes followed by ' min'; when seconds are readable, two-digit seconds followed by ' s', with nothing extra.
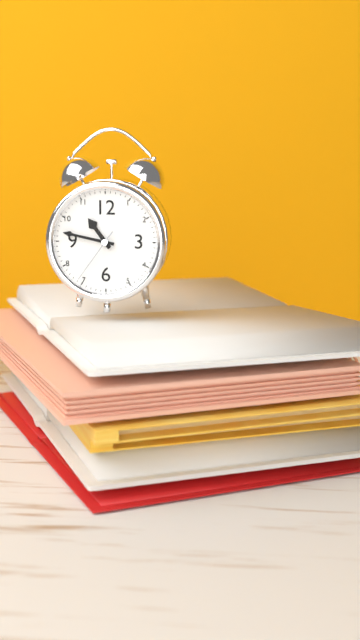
10 h 47 min 36 s
